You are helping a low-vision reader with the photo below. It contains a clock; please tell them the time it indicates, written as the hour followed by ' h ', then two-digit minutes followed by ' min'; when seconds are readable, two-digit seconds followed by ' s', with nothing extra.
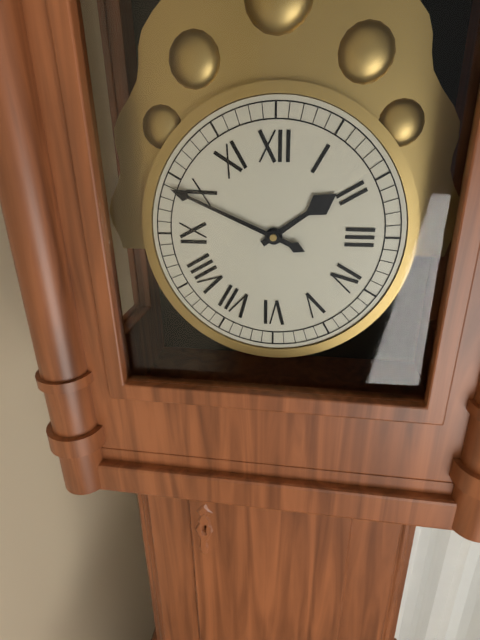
1 h 49 min
